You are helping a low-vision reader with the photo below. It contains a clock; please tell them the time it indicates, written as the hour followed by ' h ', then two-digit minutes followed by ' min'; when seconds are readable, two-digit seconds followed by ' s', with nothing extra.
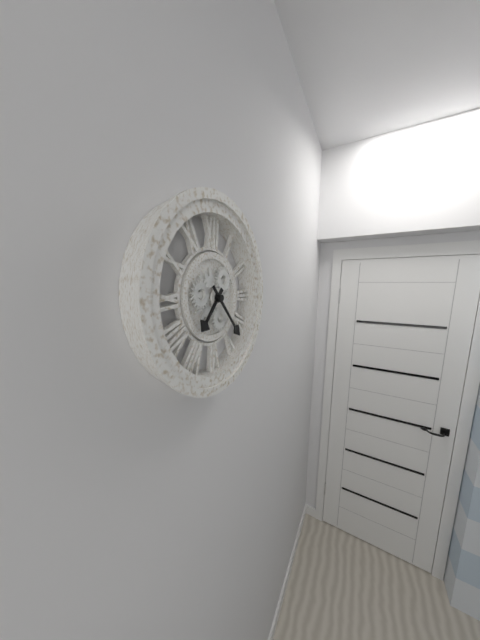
7 h 23 min
